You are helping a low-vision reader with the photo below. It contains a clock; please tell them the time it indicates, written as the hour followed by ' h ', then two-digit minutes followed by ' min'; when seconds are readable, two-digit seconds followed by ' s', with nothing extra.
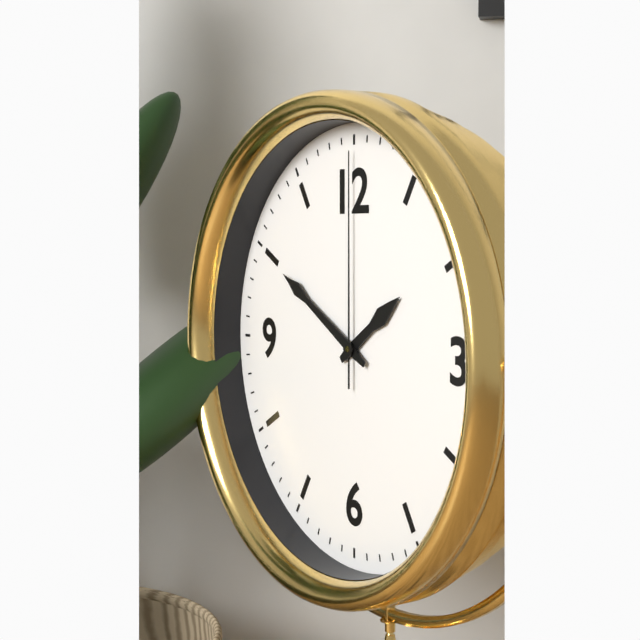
1 h 50 min 00 s
